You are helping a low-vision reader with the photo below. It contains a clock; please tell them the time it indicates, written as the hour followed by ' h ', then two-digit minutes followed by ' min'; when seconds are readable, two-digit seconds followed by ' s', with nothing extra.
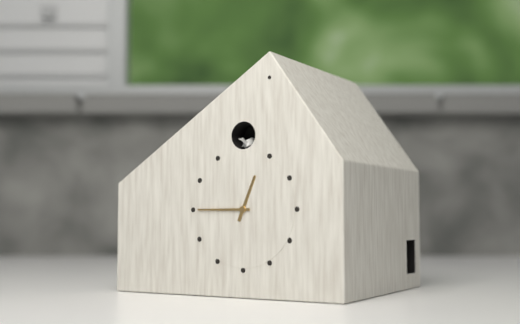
12 h 45 min
